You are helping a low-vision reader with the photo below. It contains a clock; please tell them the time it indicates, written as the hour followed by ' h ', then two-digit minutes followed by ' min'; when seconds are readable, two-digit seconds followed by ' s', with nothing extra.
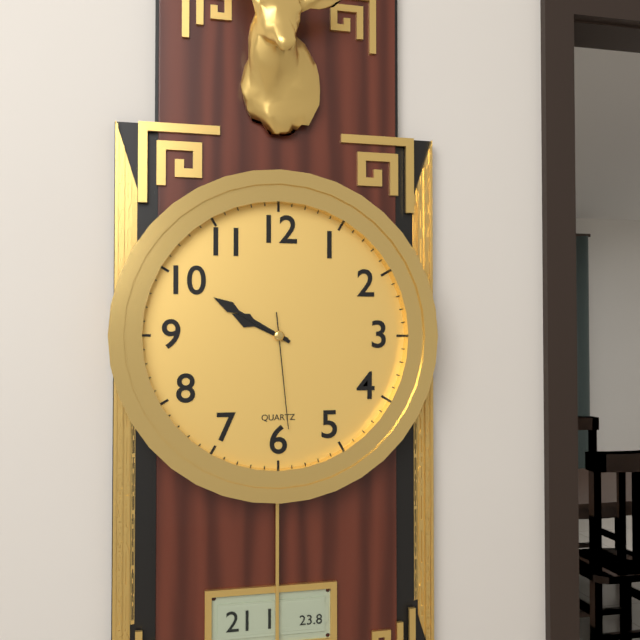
9 h 50 min 29 s
